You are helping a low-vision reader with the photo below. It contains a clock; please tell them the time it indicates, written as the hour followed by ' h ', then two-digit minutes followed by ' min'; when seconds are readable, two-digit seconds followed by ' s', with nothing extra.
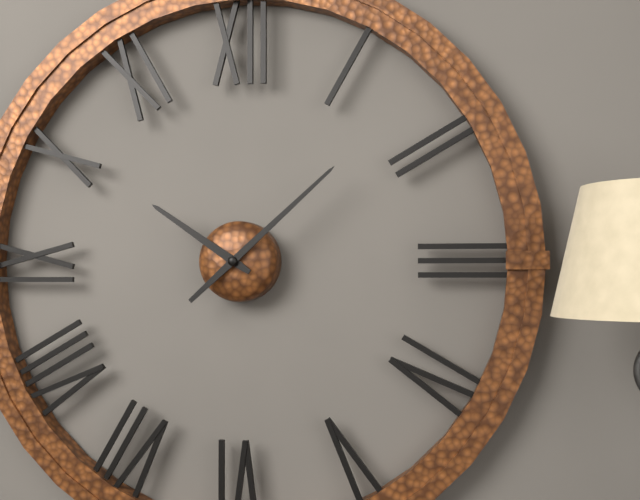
10 h 08 min
